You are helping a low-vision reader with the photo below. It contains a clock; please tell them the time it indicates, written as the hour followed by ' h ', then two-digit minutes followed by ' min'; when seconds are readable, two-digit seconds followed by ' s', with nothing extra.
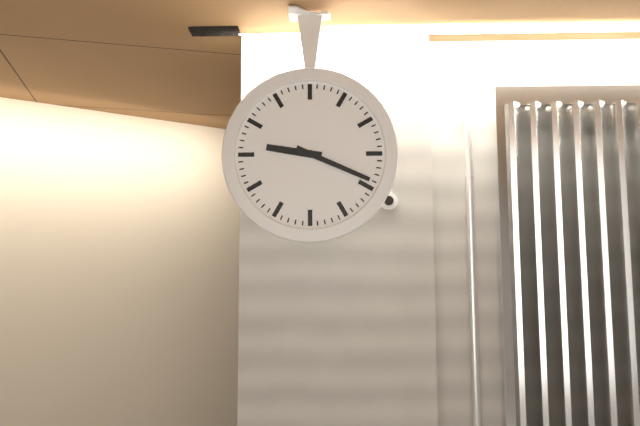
9 h 19 min
